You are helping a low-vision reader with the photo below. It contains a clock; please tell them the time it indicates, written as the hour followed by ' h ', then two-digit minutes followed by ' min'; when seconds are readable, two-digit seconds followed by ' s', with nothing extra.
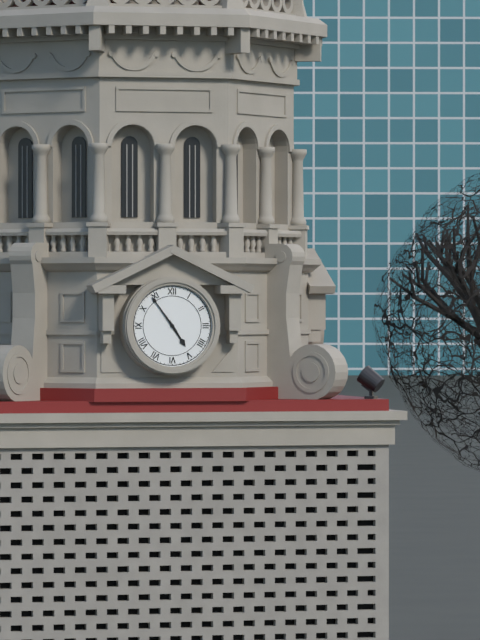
4 h 54 min
